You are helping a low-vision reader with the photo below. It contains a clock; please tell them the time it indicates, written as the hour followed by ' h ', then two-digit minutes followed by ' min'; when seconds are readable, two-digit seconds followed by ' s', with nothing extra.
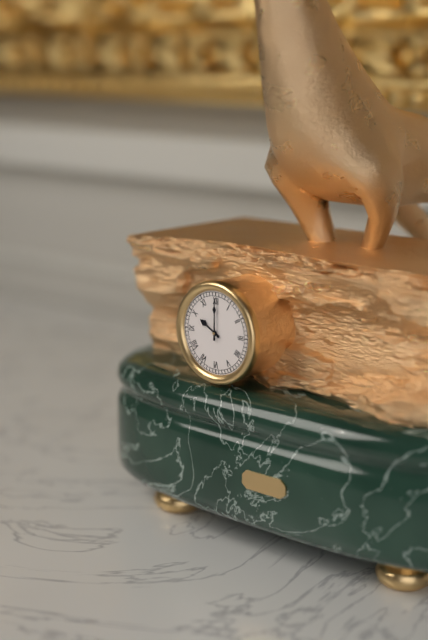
10 h 00 min
